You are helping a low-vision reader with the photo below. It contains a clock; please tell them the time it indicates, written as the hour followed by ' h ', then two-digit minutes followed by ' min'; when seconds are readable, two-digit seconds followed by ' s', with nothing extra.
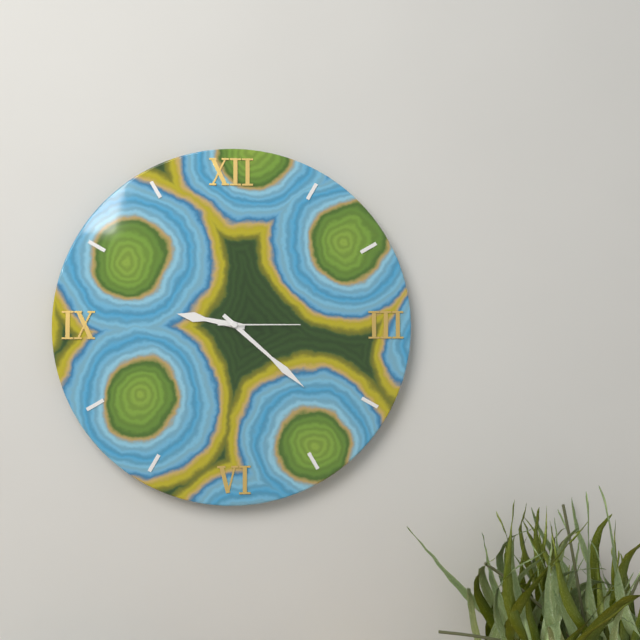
9 h 22 min 15 s
